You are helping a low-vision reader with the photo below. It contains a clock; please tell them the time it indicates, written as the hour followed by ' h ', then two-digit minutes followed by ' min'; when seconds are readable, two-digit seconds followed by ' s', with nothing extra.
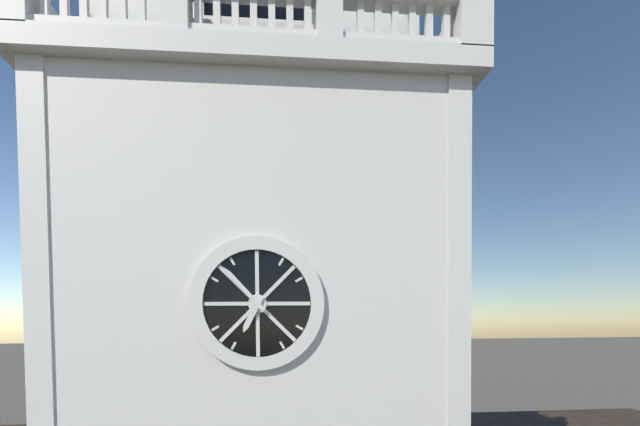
6 h 53 min
